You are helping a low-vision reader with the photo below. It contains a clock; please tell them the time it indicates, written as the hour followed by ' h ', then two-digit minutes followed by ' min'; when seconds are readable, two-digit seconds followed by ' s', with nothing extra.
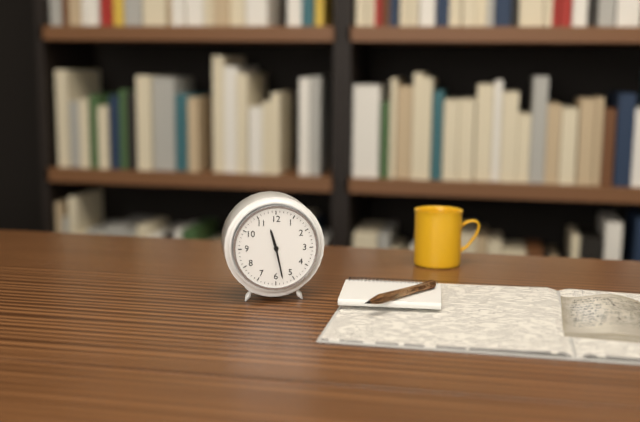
11 h 28 min
